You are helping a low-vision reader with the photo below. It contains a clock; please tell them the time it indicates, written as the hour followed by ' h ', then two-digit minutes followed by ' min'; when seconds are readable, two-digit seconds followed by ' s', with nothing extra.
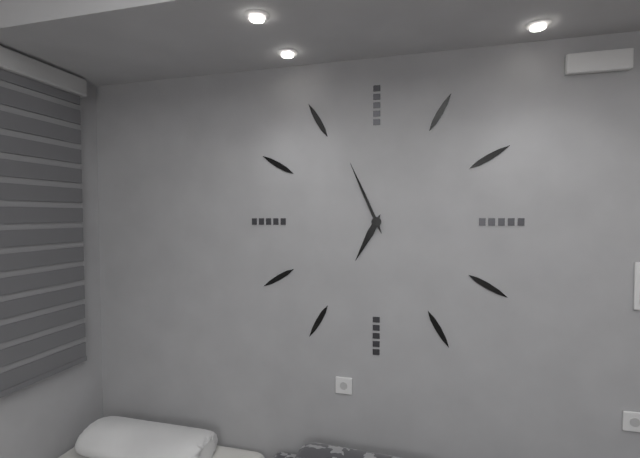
6 h 56 min
